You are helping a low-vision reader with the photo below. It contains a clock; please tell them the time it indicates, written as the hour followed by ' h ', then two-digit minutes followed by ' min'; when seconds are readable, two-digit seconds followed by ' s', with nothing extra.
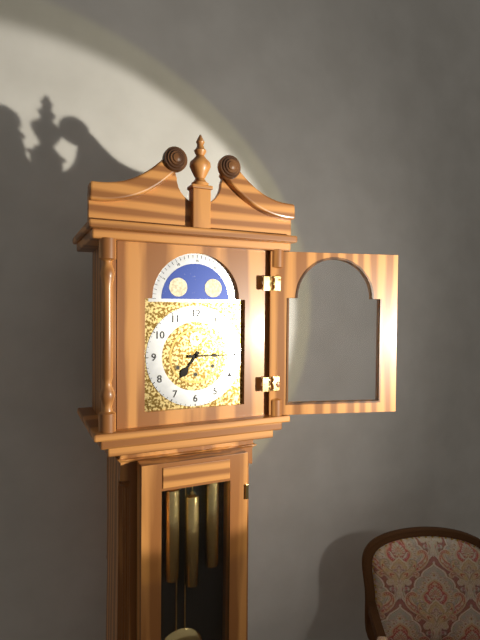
7 h 15 min
